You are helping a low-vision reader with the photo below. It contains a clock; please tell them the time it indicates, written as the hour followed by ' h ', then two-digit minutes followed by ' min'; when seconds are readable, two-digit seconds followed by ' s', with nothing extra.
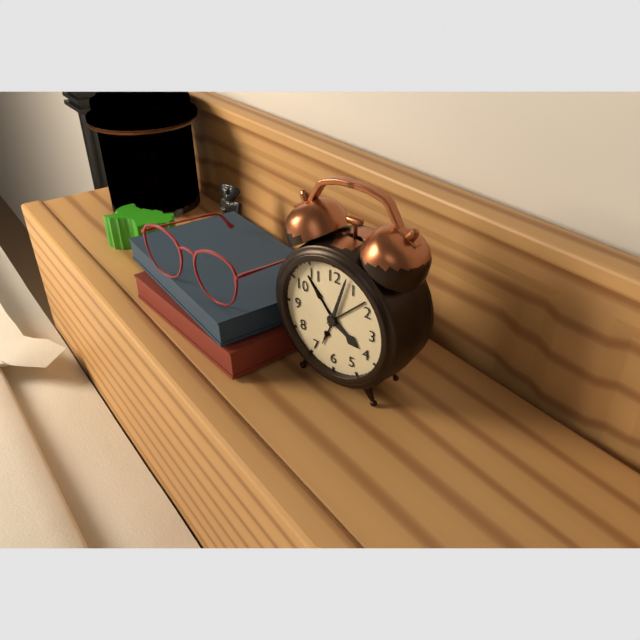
4 h 03 min
